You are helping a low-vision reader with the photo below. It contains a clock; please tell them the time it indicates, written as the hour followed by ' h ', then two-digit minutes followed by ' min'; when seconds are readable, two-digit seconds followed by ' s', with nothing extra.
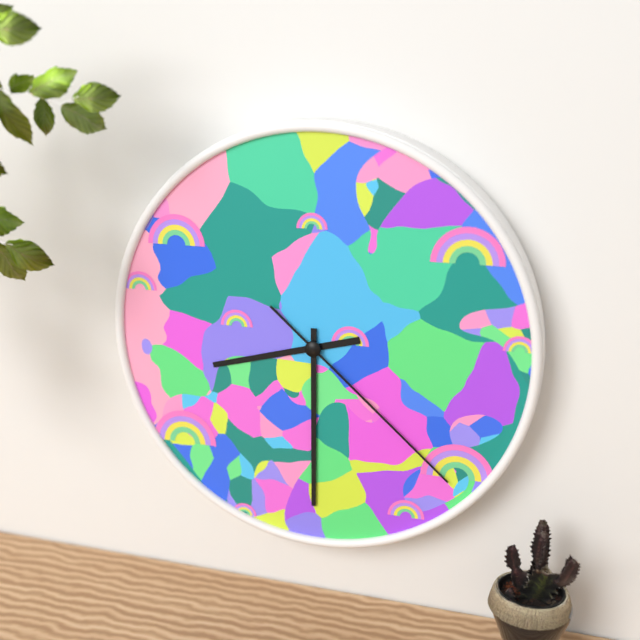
8 h 30 min 22 s
